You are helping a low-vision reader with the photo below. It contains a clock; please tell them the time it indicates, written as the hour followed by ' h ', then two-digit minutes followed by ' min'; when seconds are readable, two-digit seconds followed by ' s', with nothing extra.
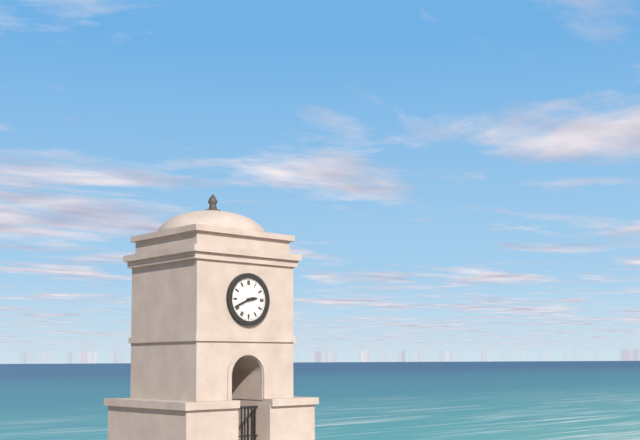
2 h 41 min
